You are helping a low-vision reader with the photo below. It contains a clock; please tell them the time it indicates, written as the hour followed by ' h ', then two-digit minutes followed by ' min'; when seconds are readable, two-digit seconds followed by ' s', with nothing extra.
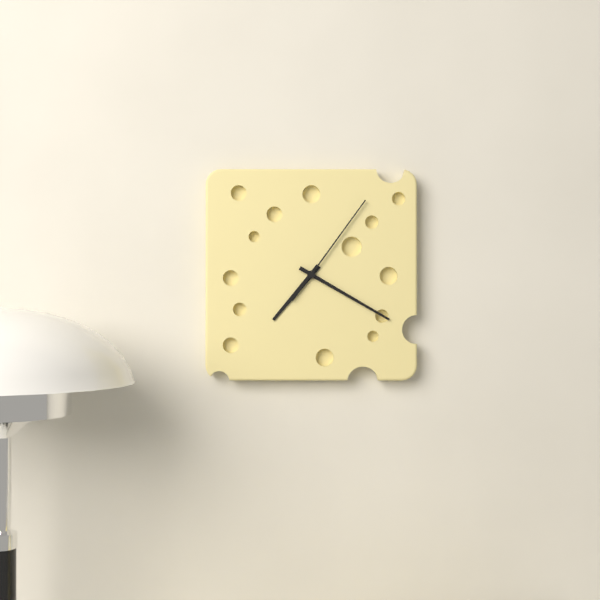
7 h 20 min 06 s
